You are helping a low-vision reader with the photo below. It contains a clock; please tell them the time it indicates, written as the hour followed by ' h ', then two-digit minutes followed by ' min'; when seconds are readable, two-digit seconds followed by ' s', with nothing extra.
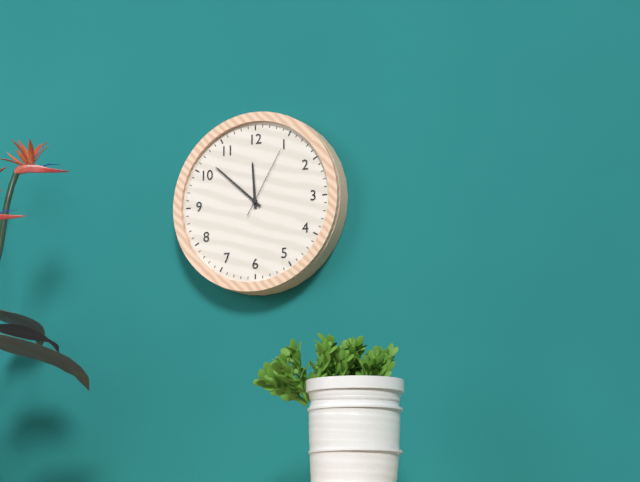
11 h 52 min 05 s
